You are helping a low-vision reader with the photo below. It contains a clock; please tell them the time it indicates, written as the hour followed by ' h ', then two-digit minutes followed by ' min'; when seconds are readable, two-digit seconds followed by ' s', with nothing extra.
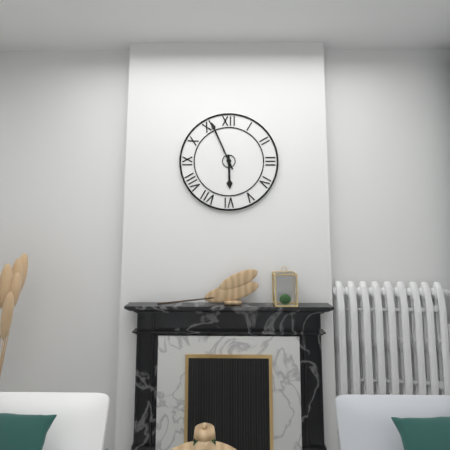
5 h 56 min
